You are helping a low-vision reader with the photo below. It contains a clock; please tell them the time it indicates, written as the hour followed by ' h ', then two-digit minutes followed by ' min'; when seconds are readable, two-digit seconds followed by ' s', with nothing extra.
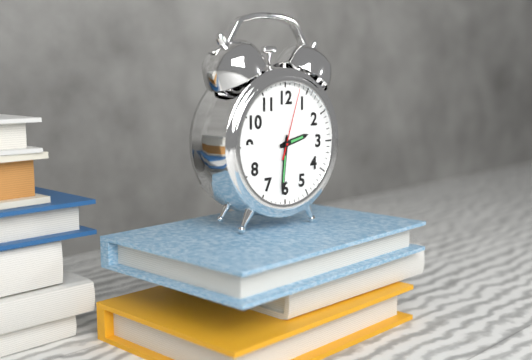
2 h 31 min 03 s
